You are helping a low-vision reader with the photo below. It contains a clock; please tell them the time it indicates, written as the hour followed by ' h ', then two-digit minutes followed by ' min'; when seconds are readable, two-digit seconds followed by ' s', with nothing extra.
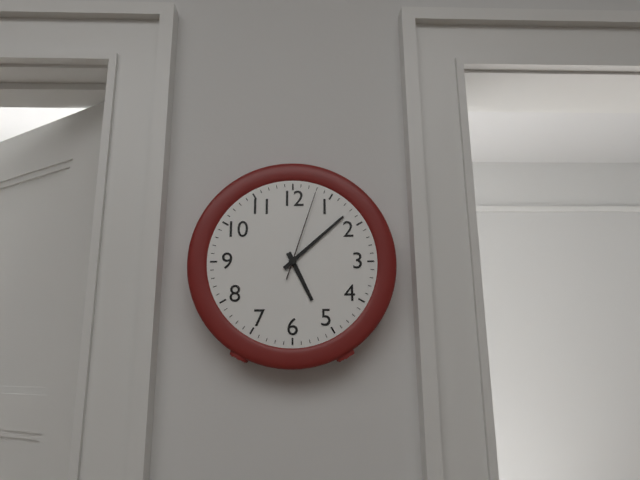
5 h 08 min 03 s
